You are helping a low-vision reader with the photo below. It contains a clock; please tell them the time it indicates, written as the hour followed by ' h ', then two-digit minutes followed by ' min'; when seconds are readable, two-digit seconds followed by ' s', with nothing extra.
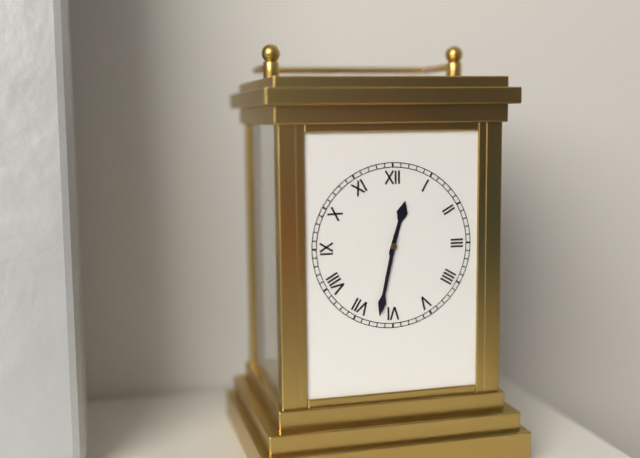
12 h 32 min
